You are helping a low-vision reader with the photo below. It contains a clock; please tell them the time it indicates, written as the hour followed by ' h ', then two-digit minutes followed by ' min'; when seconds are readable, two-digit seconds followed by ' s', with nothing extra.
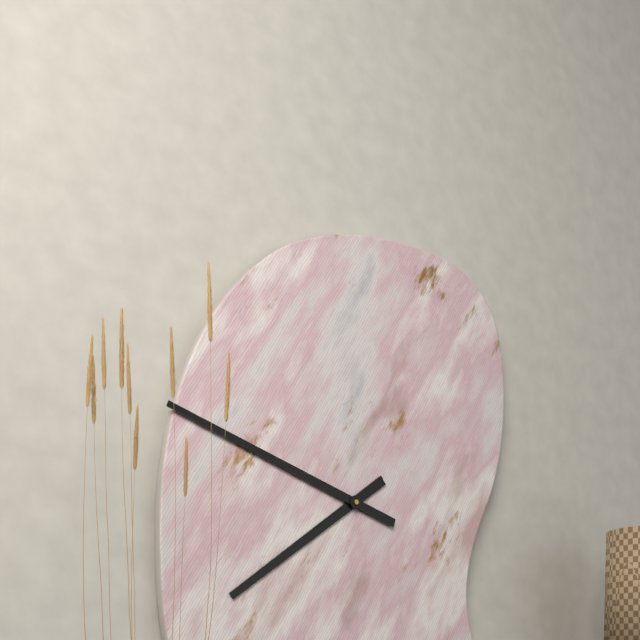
7 h 48 min
